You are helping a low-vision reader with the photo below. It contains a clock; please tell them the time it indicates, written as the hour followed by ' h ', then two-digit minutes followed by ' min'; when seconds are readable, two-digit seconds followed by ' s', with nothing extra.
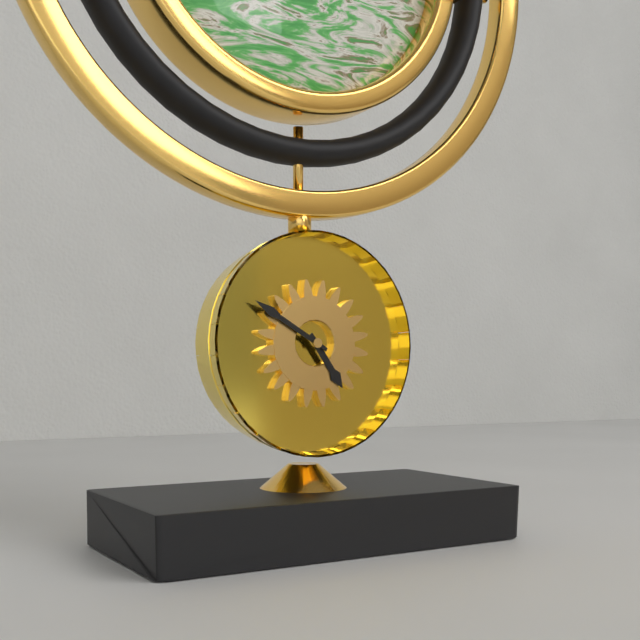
4 h 50 min
